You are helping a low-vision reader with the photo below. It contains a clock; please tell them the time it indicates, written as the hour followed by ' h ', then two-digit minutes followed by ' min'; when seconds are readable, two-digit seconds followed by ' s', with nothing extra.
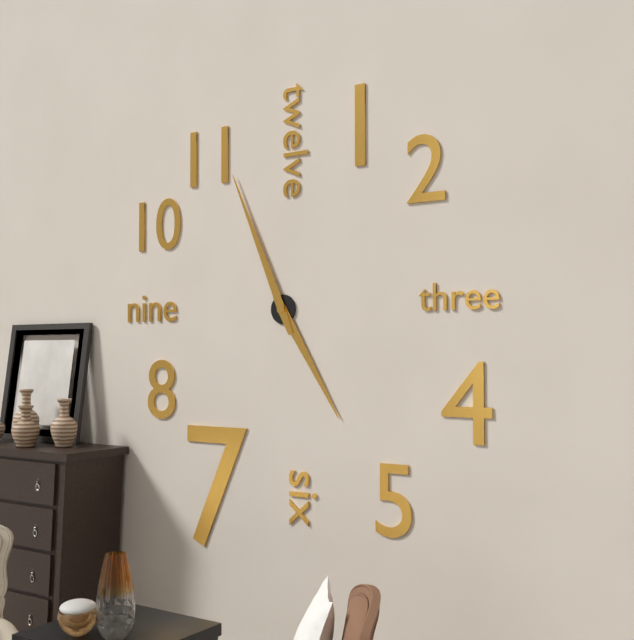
4 h 56 min
